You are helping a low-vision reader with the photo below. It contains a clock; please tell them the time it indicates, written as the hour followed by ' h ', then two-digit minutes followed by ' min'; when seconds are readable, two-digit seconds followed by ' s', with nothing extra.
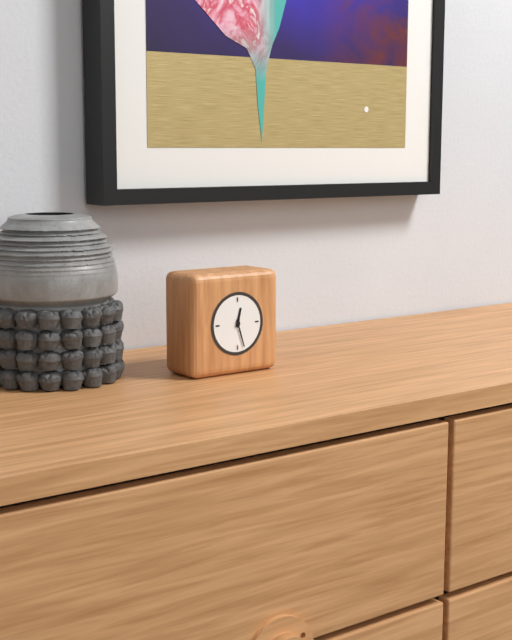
12 h 27 min
